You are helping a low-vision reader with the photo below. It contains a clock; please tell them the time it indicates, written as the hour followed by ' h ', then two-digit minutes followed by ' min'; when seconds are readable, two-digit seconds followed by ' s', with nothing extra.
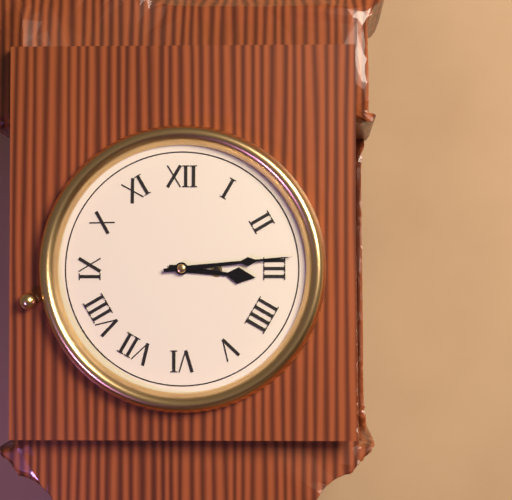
3 h 14 min
